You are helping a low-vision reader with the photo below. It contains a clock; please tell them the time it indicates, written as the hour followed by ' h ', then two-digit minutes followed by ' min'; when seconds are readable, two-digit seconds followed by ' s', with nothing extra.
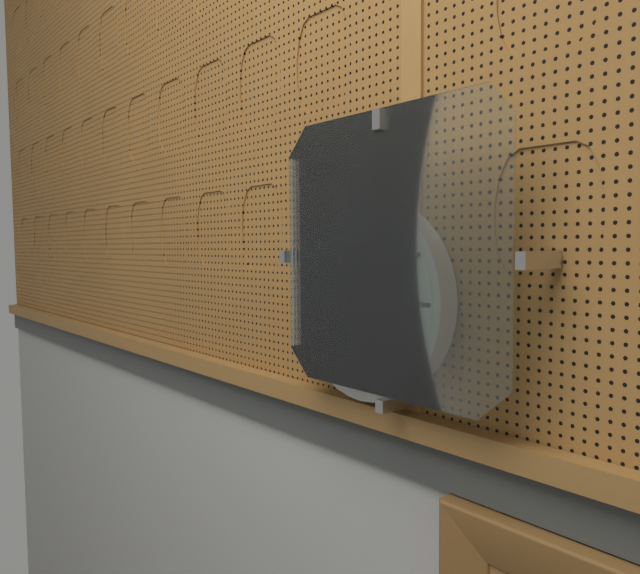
4 h 58 min
